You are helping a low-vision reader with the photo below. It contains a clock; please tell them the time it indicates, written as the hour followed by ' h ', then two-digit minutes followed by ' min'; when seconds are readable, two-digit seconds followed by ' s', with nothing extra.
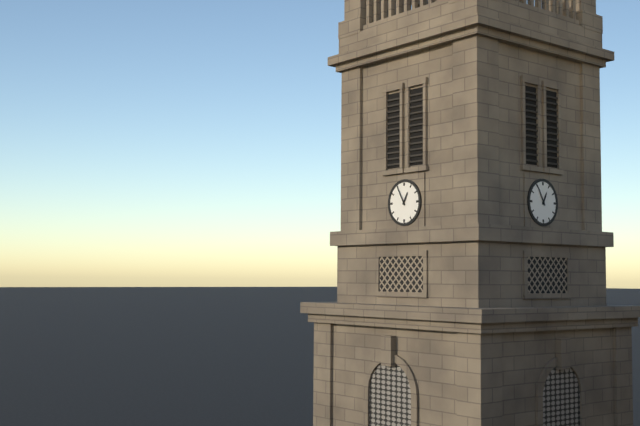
12 h 55 min
